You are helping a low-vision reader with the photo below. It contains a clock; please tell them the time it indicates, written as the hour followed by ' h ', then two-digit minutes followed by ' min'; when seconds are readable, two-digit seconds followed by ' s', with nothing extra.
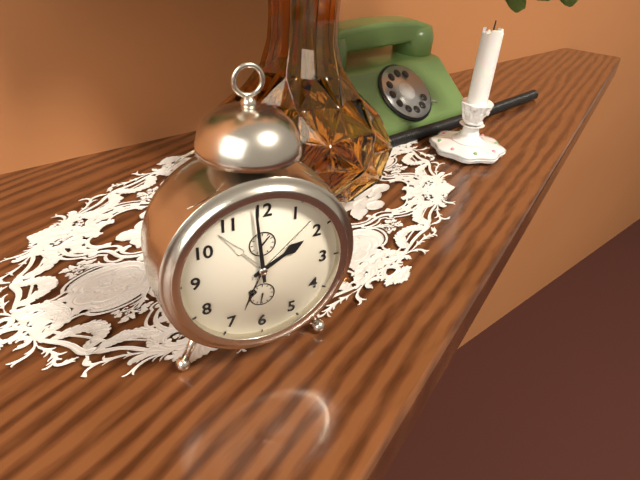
1 h 59 min
